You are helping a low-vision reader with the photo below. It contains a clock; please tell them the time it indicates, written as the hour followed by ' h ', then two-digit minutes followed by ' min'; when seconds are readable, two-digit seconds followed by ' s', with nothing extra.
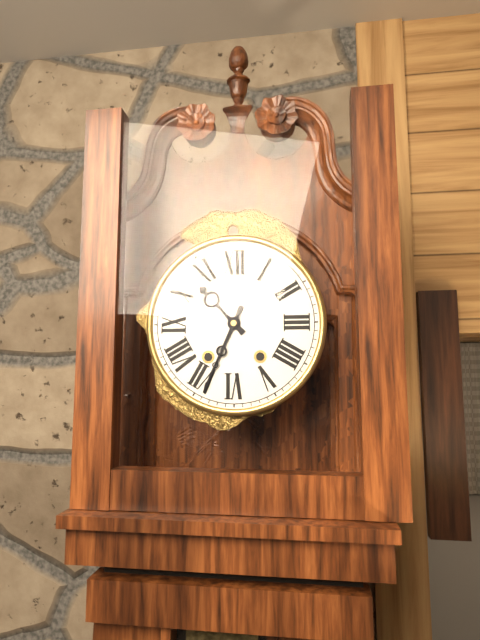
10 h 34 min
